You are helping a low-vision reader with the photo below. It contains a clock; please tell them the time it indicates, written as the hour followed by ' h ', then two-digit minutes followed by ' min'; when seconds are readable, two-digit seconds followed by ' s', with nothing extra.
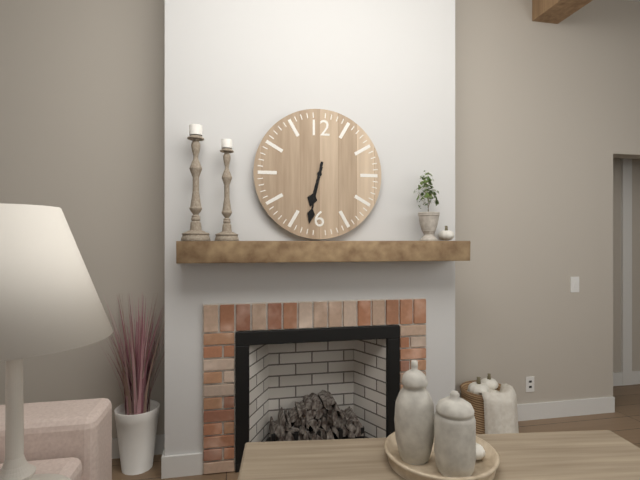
6 h 32 min
